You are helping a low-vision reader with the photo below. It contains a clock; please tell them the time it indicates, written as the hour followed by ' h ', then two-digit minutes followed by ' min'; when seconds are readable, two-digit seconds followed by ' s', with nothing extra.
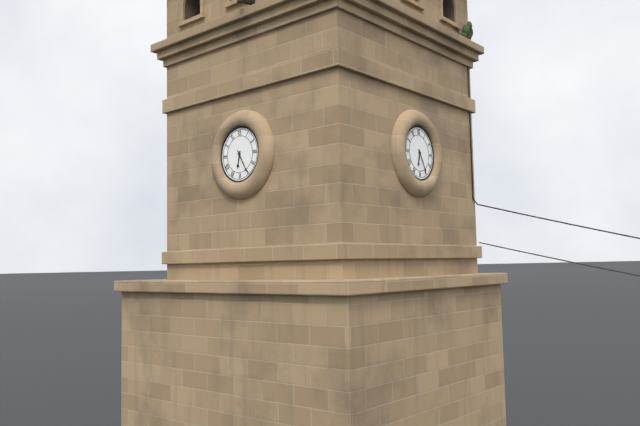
6 h 25 min
